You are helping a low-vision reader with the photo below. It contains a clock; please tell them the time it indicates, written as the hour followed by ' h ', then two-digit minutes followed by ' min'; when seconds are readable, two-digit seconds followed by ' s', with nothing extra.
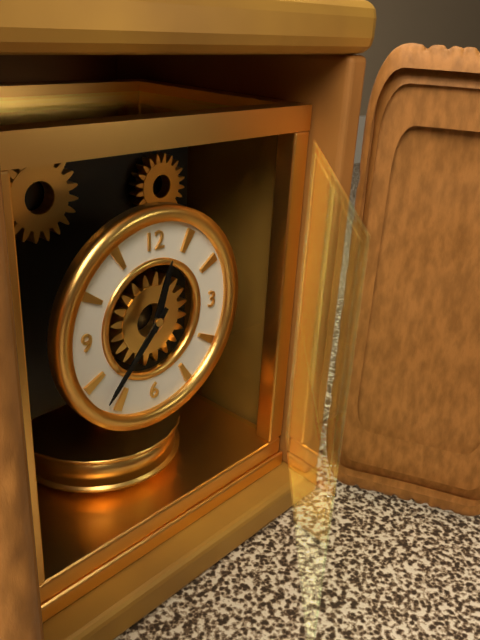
12 h 37 min
